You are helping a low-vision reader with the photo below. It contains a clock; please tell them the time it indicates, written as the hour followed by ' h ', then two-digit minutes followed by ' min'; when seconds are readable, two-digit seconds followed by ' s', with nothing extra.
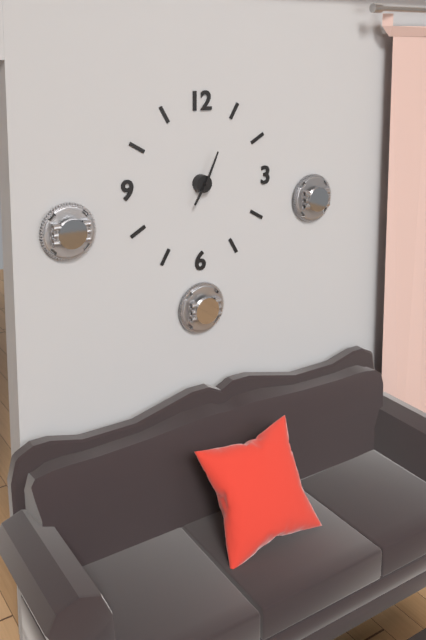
7 h 04 min
